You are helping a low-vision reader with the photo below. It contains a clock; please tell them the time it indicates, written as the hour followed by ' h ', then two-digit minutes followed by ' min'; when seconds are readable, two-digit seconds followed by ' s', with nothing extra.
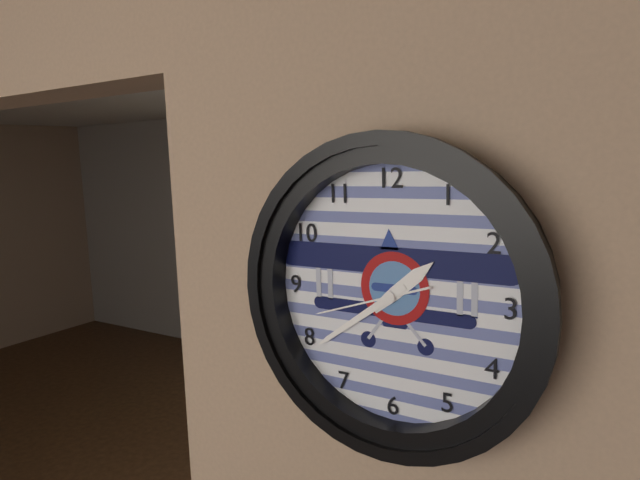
1 h 39 min 42 s
